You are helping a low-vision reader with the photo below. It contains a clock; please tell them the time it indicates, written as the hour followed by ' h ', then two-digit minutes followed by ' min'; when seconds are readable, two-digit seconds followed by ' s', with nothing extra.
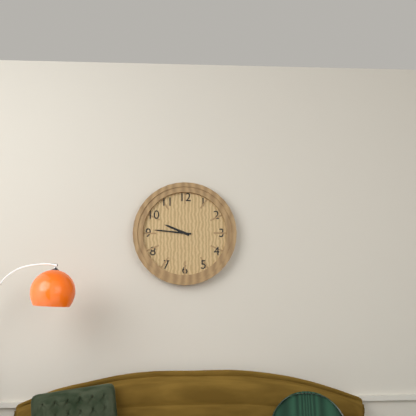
9 h 46 min
